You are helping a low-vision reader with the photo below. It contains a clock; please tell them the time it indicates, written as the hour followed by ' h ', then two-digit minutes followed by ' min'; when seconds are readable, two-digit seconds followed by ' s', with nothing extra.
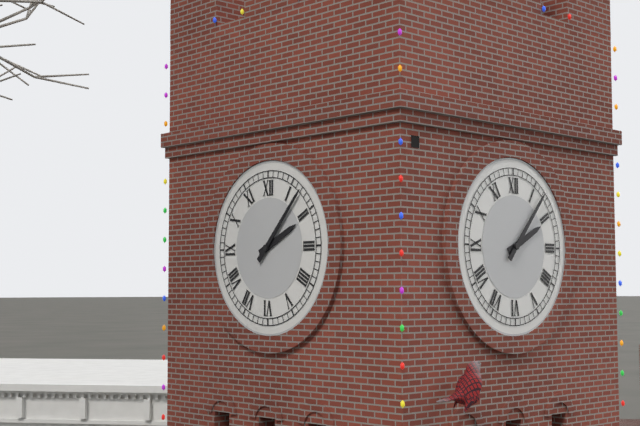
2 h 07 min
